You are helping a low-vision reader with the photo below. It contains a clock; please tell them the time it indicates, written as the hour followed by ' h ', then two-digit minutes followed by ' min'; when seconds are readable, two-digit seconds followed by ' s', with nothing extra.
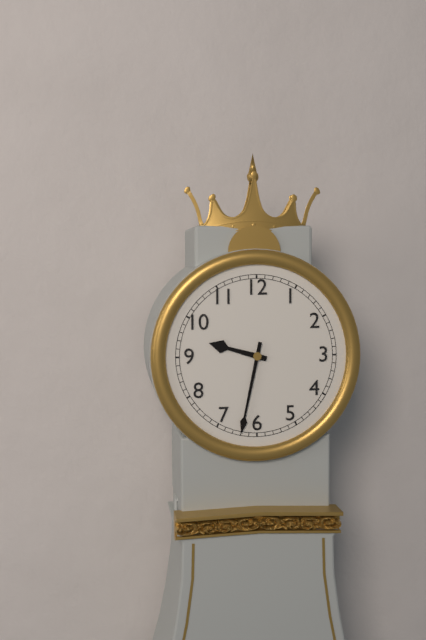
9 h 32 min
